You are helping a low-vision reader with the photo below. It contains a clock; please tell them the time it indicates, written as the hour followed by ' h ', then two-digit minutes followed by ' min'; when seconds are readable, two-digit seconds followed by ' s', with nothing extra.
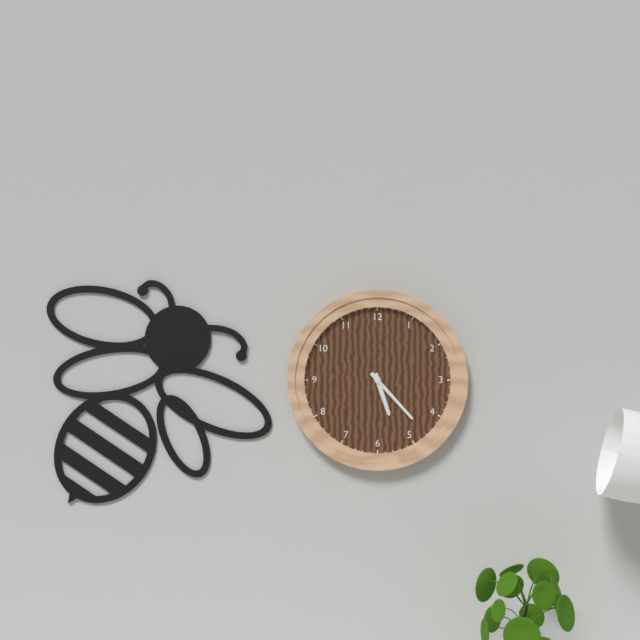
5 h 23 min
